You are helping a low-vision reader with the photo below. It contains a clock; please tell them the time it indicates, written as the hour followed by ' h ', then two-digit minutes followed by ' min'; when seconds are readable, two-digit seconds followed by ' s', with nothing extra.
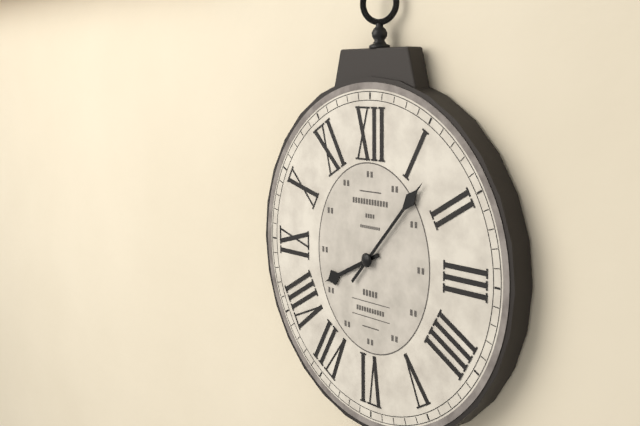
8 h 07 min
